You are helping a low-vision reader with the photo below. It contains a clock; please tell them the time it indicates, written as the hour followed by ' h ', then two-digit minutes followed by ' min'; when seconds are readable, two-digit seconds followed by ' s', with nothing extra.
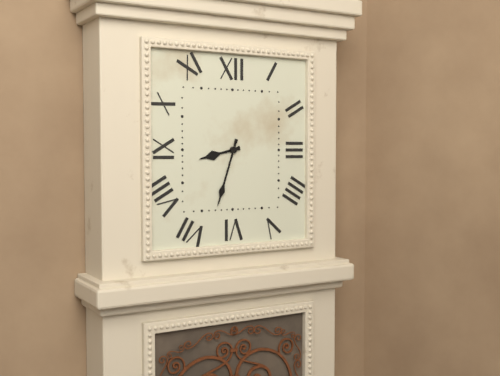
8 h 33 min
